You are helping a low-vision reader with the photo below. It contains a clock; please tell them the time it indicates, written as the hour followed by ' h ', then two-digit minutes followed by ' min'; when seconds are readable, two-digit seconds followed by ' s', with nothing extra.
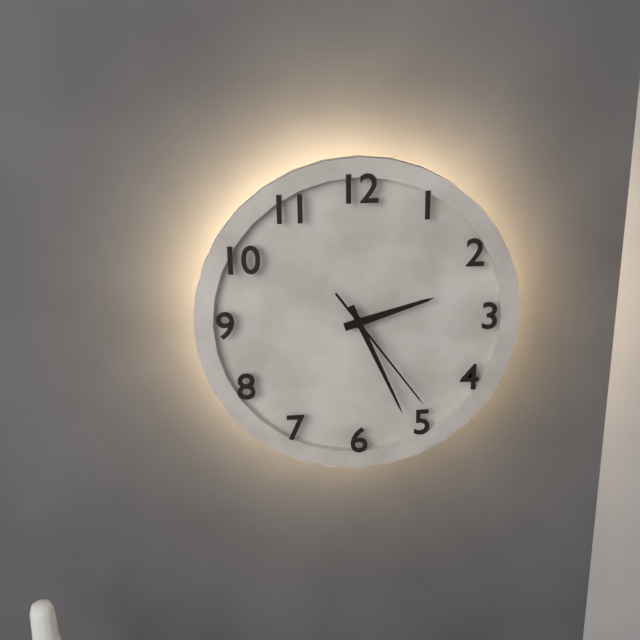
2 h 26 min 24 s
